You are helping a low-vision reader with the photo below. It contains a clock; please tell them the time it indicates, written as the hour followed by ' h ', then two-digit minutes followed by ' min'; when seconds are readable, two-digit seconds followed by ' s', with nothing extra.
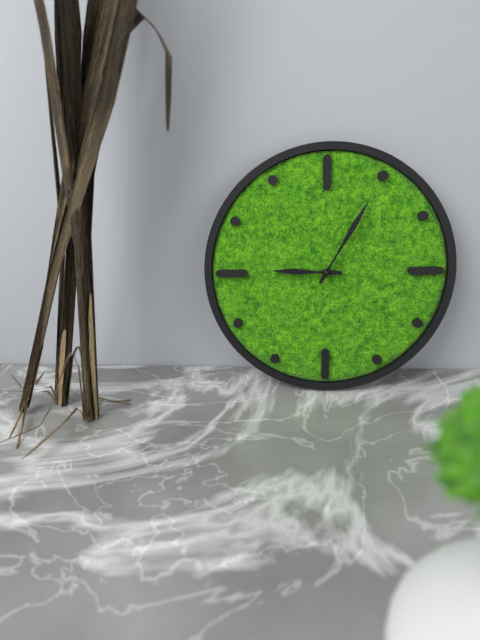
9 h 05 min
